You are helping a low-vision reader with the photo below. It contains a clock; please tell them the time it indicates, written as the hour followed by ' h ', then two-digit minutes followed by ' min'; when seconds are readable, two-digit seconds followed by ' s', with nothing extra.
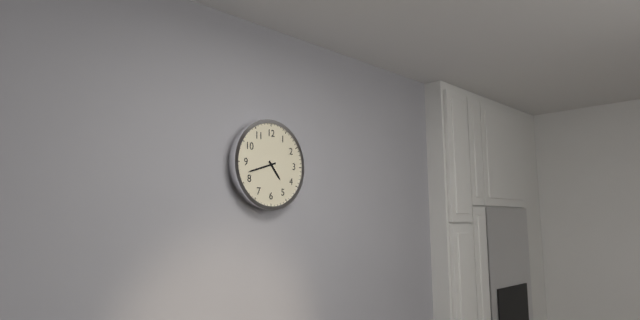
4 h 42 min
